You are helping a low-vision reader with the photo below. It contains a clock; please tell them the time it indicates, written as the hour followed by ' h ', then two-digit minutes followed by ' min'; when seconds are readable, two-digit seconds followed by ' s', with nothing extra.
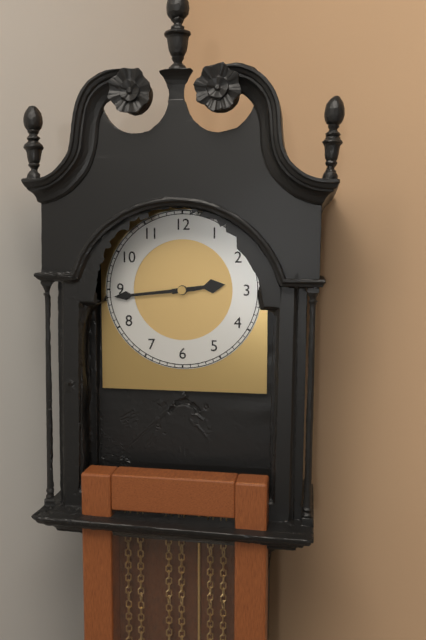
2 h 44 min
